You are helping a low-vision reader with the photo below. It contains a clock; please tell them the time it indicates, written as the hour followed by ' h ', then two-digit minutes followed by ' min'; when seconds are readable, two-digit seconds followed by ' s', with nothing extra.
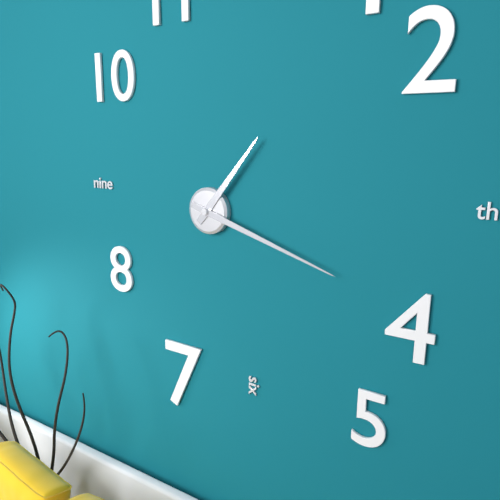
1 h 18 min
